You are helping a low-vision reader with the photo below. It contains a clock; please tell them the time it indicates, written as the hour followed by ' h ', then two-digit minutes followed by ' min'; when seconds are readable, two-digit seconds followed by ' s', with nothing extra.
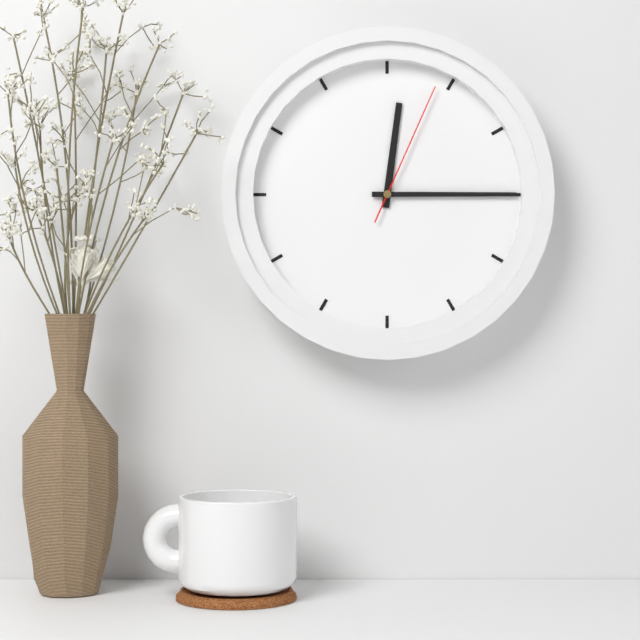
12 h 15 min 04 s
